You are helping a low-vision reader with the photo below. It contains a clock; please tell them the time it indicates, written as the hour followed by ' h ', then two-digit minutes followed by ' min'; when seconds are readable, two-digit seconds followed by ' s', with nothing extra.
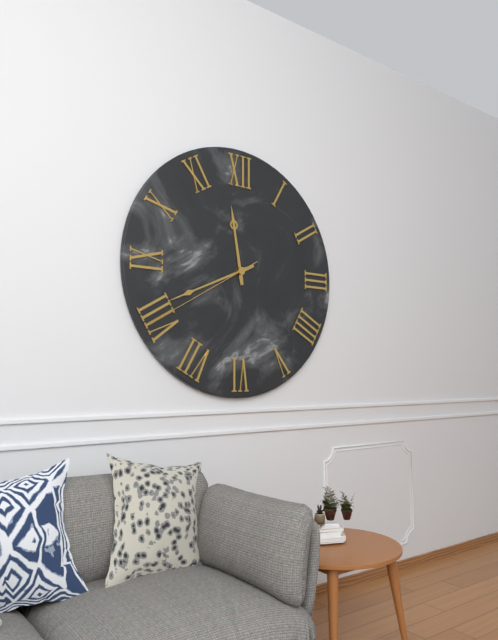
11 h 41 min 40 s
